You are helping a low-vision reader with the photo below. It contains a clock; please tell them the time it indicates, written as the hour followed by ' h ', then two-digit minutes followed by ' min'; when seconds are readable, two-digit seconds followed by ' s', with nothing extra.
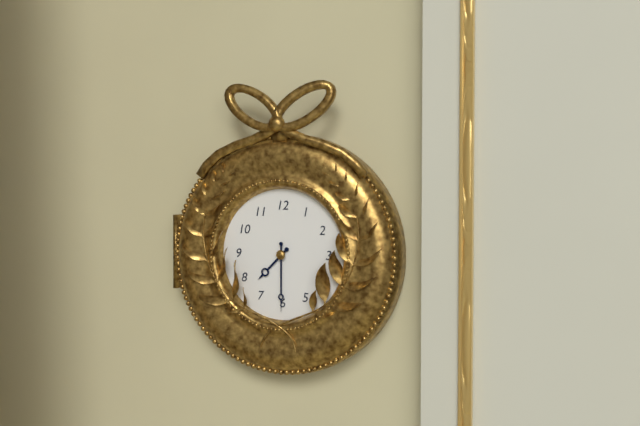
7 h 30 min
